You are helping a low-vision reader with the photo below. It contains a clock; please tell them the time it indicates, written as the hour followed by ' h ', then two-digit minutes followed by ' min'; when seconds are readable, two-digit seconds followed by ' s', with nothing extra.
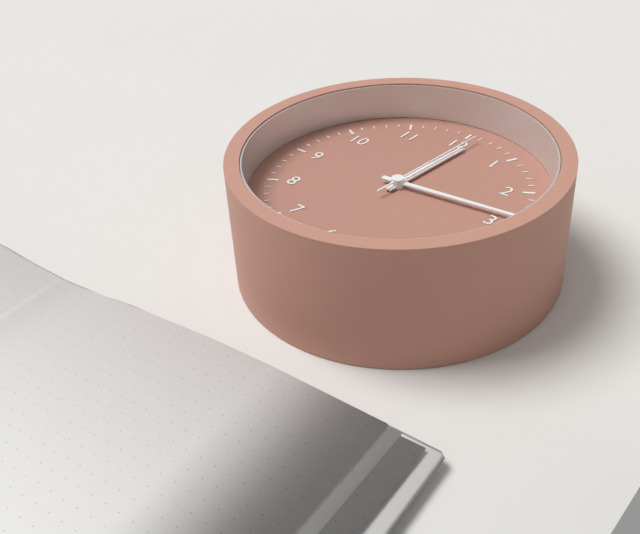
12 h 14 min 01 s
